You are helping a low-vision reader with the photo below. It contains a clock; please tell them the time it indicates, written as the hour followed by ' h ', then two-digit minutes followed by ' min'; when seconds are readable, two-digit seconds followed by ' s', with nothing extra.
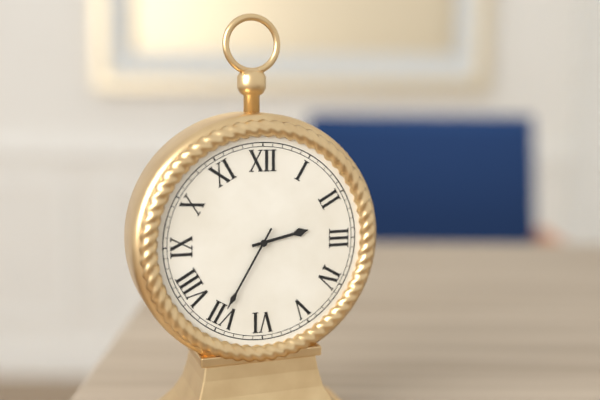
2 h 35 min
